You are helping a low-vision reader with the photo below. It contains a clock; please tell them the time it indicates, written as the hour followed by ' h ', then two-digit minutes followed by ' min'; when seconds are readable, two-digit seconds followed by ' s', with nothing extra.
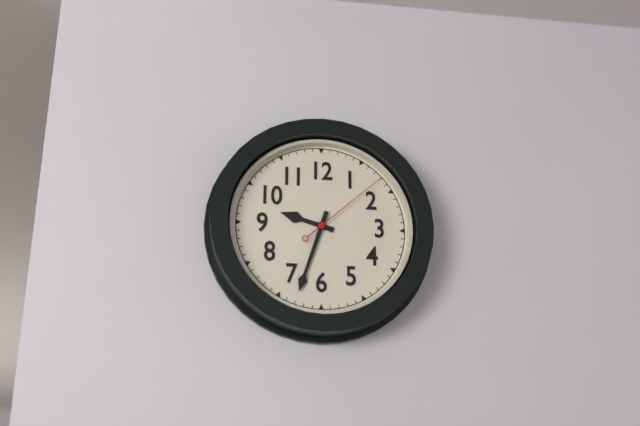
9 h 33 min 08 s
